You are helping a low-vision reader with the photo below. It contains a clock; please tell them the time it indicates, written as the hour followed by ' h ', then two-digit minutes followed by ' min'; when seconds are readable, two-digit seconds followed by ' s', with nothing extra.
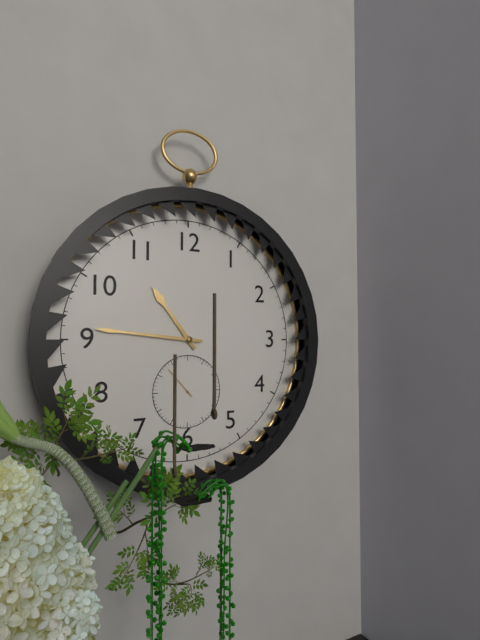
10 h 46 min
